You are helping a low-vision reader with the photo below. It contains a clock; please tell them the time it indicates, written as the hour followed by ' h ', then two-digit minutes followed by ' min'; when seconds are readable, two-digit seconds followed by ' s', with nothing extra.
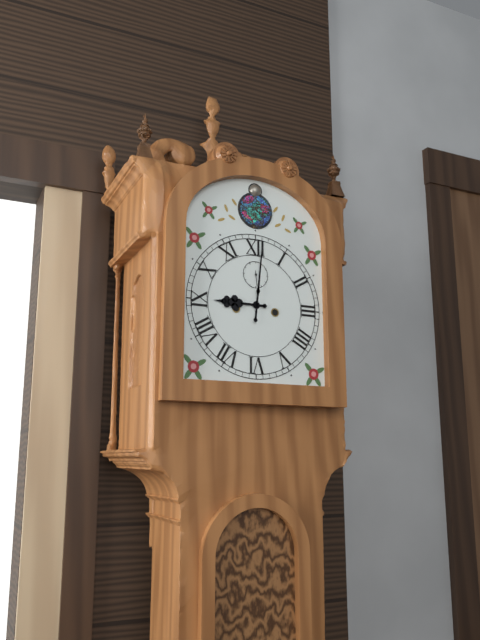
9 h 01 min
